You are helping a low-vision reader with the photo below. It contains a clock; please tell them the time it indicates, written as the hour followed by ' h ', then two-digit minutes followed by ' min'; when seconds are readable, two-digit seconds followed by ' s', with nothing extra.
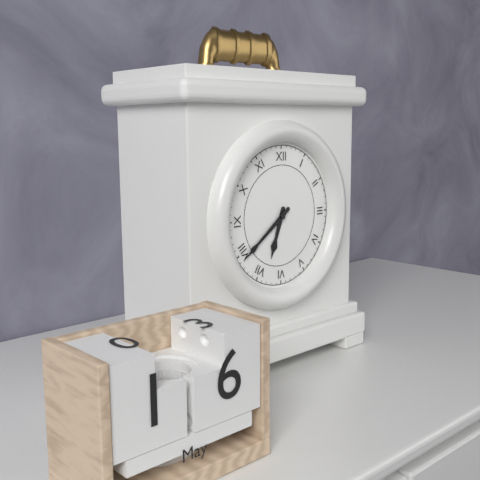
6 h 39 min
